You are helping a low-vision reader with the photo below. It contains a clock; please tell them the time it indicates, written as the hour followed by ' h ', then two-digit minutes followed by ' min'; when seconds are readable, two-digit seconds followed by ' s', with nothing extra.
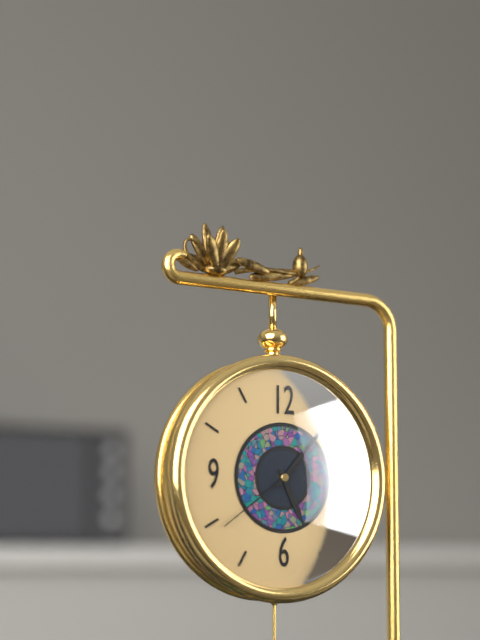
5 h 07 min 39 s
